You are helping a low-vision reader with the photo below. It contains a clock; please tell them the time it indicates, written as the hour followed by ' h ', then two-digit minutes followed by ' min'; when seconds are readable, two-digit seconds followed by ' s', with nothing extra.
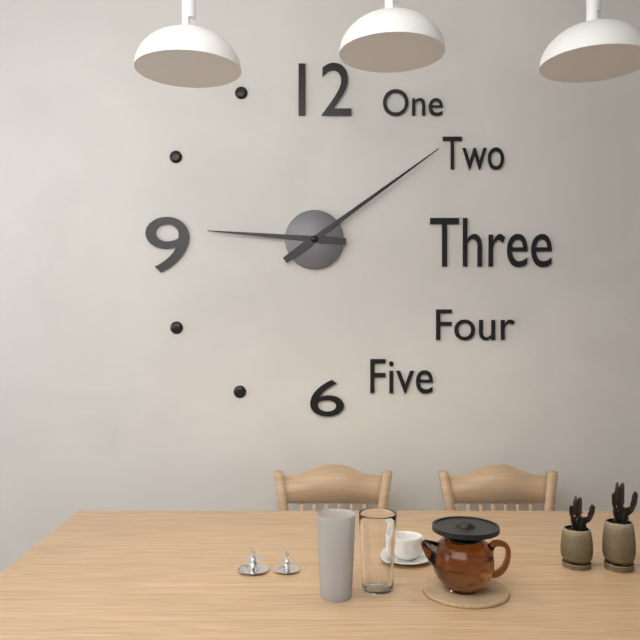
9 h 09 min
